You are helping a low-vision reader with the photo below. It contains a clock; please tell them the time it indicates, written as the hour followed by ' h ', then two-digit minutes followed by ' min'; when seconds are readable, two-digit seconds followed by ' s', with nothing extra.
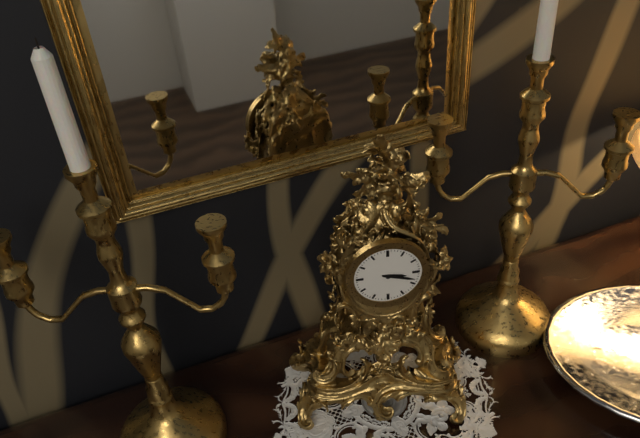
3 h 18 min
